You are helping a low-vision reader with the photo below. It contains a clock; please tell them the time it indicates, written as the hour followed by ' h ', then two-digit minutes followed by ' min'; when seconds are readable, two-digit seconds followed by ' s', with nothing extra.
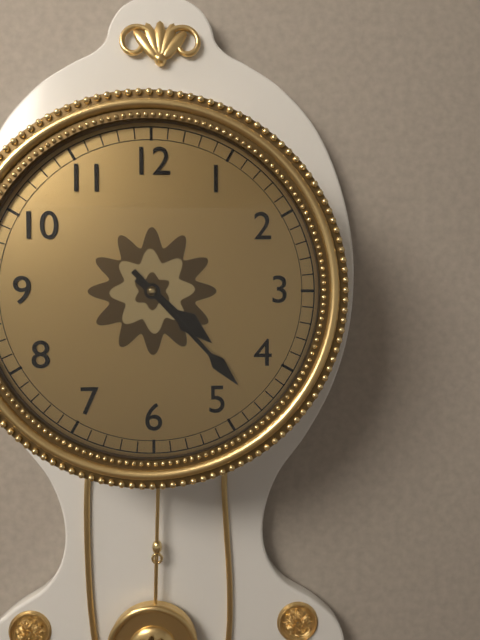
4 h 23 min
